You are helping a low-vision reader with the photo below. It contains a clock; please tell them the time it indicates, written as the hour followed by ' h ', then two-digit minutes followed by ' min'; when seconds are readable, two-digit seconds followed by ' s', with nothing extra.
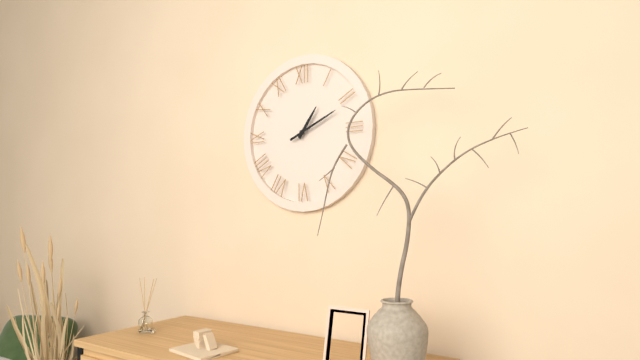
1 h 11 min
